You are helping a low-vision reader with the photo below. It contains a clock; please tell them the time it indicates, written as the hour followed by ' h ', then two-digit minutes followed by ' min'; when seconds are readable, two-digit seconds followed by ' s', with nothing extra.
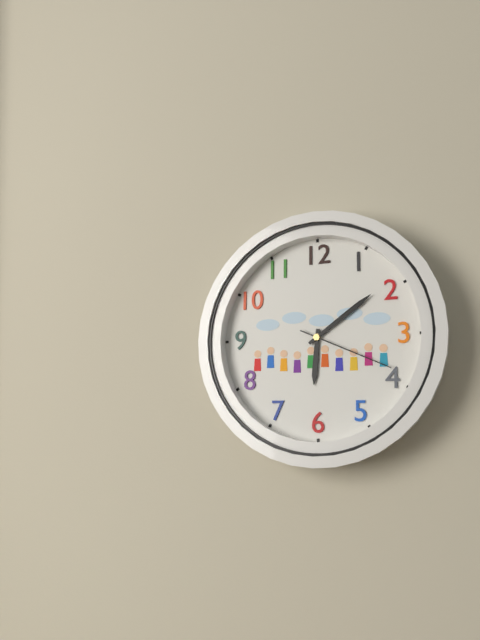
6 h 09 min 19 s
